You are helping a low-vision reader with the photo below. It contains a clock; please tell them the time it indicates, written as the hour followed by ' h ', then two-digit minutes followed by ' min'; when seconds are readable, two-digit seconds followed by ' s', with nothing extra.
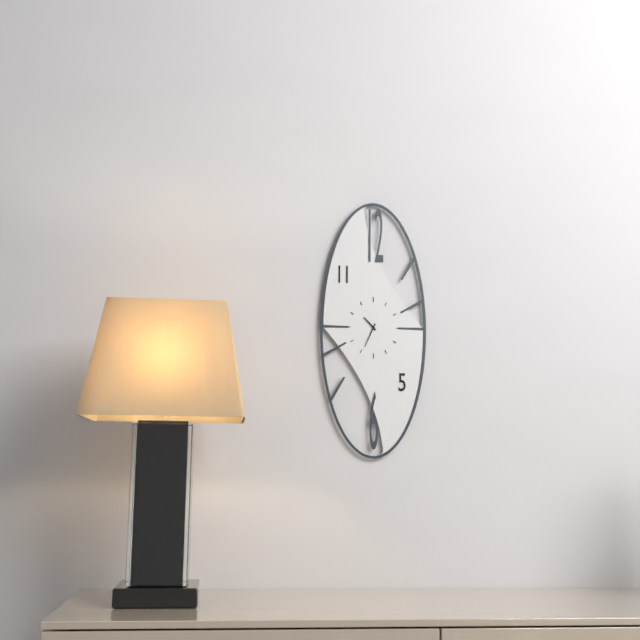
10 h 34 min
